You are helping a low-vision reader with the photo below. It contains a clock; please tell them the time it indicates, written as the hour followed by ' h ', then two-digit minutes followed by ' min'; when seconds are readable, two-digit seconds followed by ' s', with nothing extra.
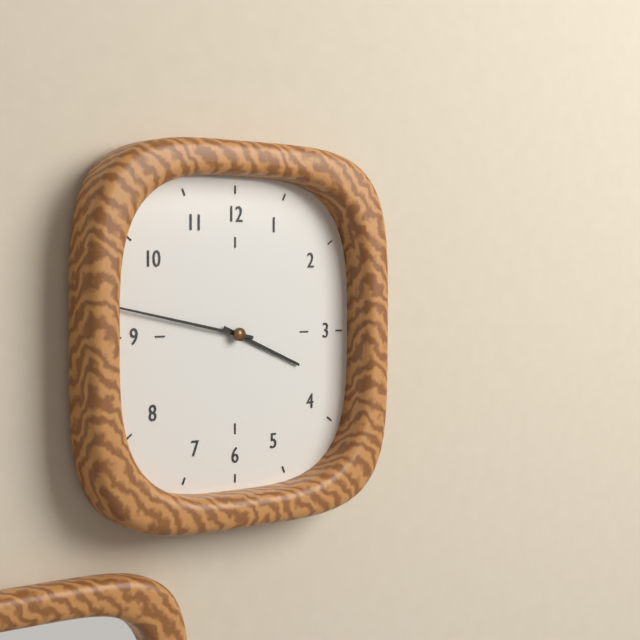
3 h 47 min
